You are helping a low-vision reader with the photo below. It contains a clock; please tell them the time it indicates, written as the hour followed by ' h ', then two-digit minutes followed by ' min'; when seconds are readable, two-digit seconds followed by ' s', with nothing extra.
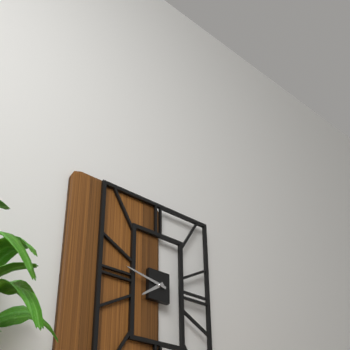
7 h 47 min
